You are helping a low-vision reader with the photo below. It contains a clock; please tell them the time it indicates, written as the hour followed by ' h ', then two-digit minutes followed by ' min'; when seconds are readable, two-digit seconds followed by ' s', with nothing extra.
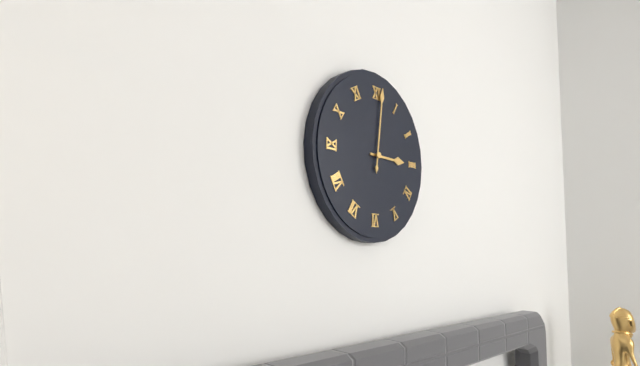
3 h 01 min
